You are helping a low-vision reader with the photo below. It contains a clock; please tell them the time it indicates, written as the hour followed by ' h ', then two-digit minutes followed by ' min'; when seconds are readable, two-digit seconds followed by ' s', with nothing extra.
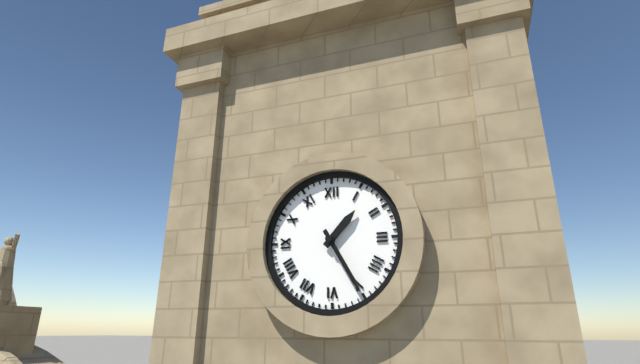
1 h 25 min
